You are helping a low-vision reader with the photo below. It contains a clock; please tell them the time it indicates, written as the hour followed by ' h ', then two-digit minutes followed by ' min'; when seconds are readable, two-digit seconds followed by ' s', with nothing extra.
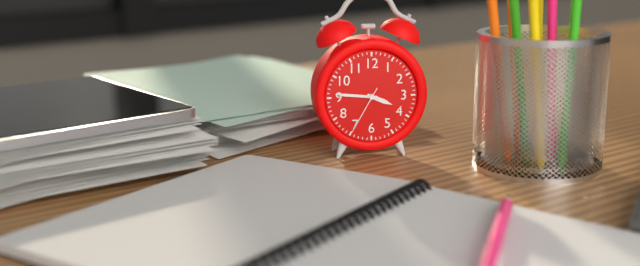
3 h 46 min 35 s
